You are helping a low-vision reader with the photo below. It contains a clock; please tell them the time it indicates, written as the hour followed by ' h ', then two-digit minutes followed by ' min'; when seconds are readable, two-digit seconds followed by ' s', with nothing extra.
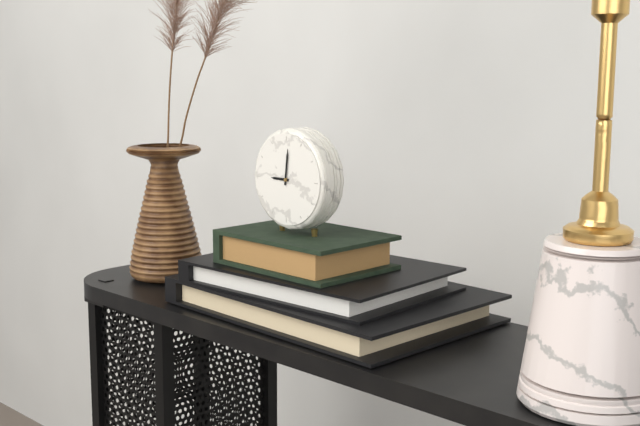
9 h 01 min
